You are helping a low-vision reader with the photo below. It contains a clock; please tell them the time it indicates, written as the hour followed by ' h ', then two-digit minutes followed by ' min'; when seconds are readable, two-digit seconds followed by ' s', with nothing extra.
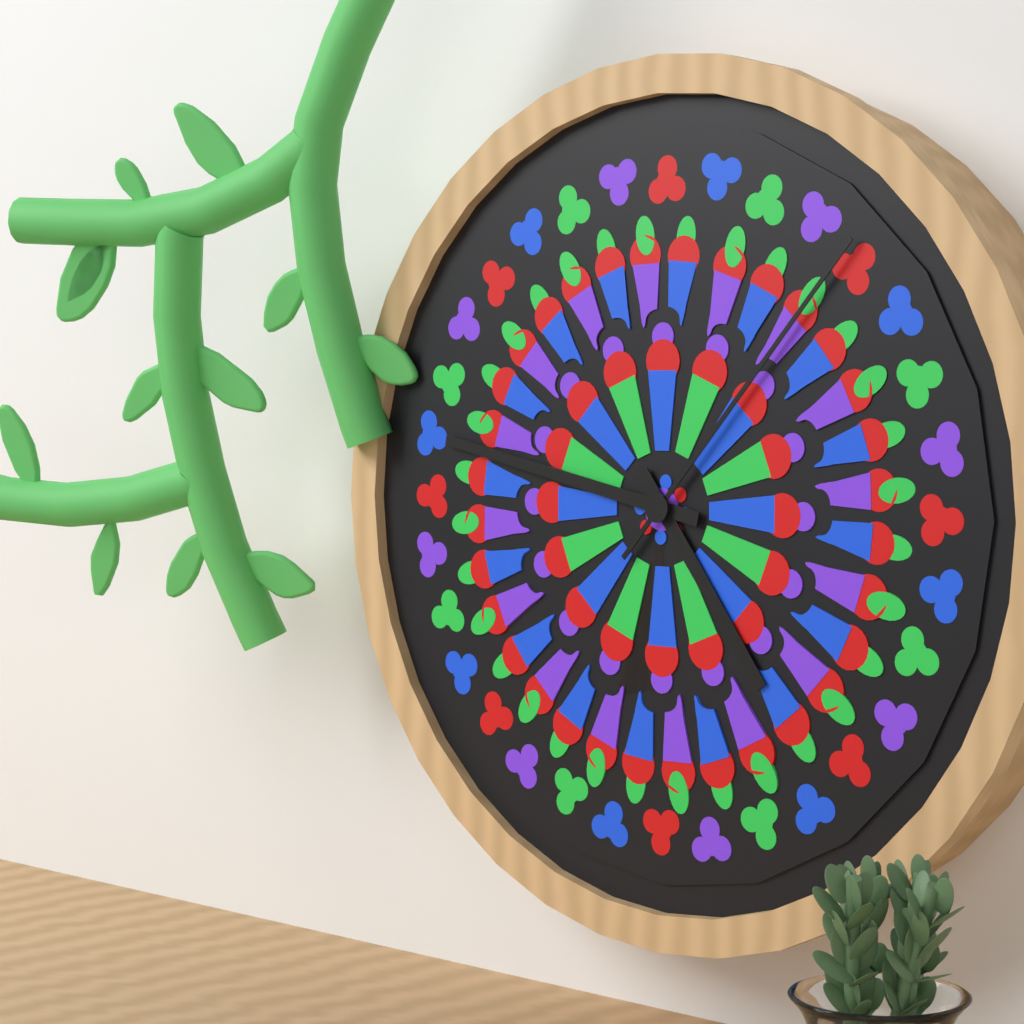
4 h 47 min 07 s
